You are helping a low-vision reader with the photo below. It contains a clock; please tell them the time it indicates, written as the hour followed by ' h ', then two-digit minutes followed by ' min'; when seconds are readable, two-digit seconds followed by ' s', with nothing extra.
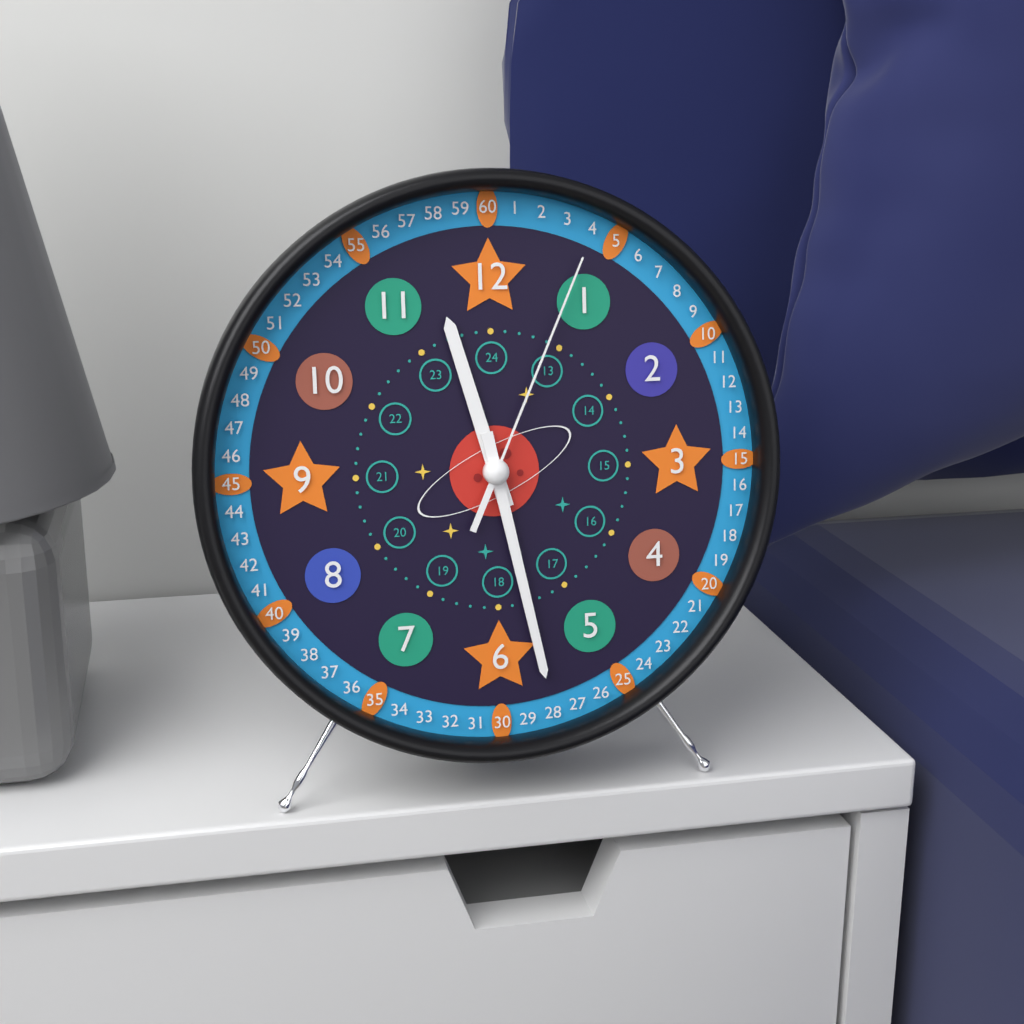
11 h 28 min 04 s
